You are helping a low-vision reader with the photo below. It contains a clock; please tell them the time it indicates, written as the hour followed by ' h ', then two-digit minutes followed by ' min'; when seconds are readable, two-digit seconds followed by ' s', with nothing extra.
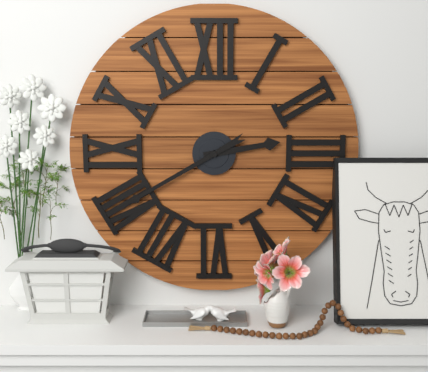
2 h 40 min
